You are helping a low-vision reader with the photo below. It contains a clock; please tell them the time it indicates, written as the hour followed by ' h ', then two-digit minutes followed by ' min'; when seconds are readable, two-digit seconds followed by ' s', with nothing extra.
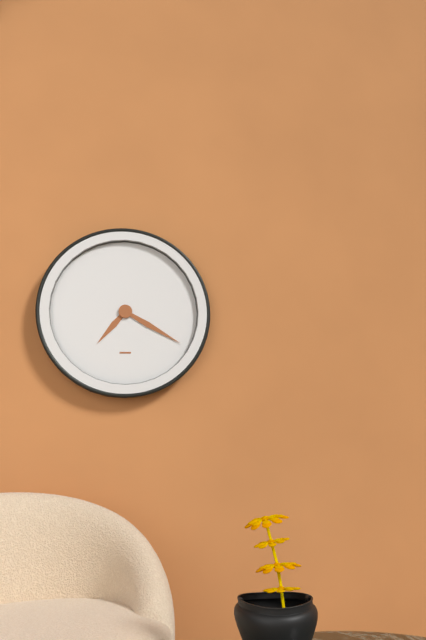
7 h 20 min
